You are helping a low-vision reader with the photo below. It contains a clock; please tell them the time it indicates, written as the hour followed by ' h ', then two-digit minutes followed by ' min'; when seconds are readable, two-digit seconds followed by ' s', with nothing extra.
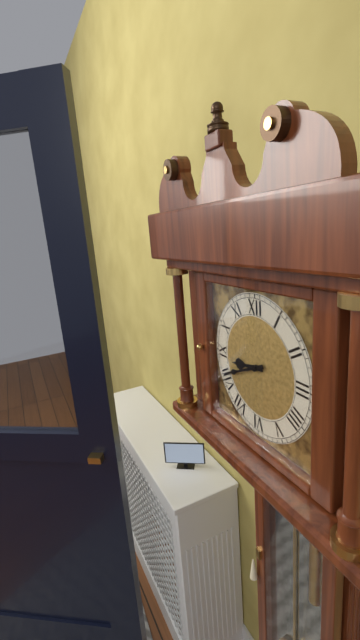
8 h 41 min
